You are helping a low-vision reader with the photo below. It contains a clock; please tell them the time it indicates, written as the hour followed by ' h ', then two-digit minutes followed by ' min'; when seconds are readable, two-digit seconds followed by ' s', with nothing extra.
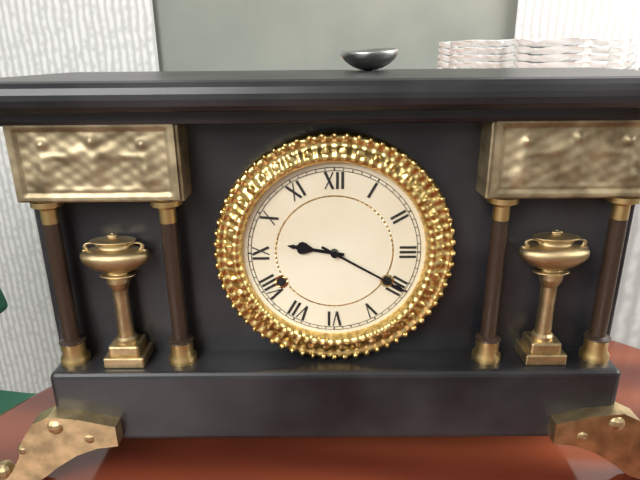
9 h 20 min
